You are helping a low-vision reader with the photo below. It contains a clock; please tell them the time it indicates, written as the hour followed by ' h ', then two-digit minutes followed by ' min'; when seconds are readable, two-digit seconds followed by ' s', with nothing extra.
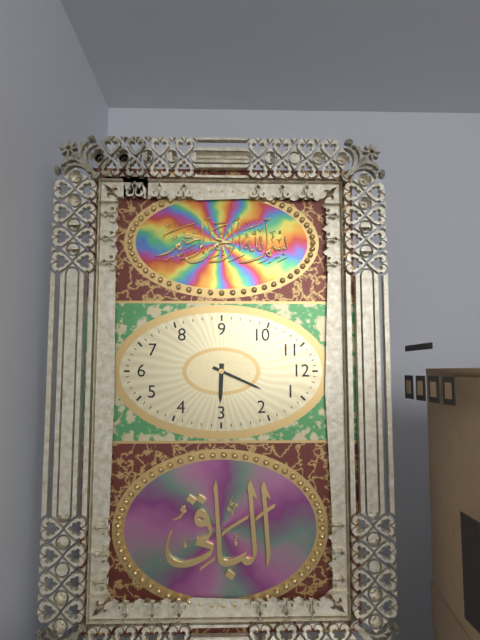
3 h 04 min
